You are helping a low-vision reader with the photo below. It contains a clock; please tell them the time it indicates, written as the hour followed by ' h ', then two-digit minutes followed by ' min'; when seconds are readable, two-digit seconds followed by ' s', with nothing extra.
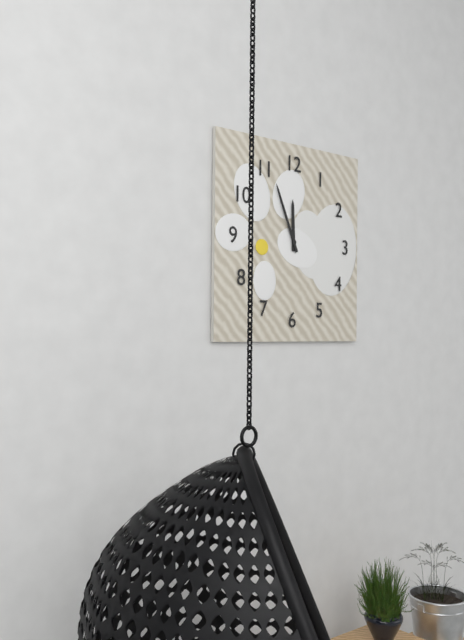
11 h 56 min
